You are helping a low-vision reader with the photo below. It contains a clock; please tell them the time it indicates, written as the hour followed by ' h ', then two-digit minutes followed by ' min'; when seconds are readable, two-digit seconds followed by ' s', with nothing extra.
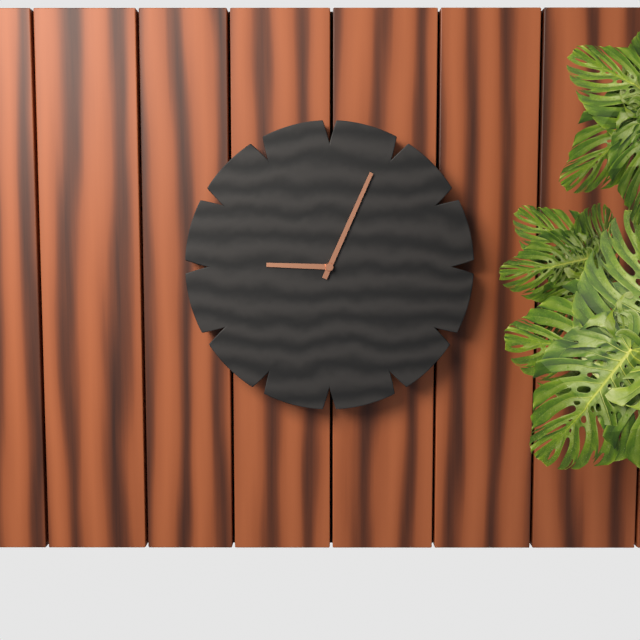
9 h 04 min
